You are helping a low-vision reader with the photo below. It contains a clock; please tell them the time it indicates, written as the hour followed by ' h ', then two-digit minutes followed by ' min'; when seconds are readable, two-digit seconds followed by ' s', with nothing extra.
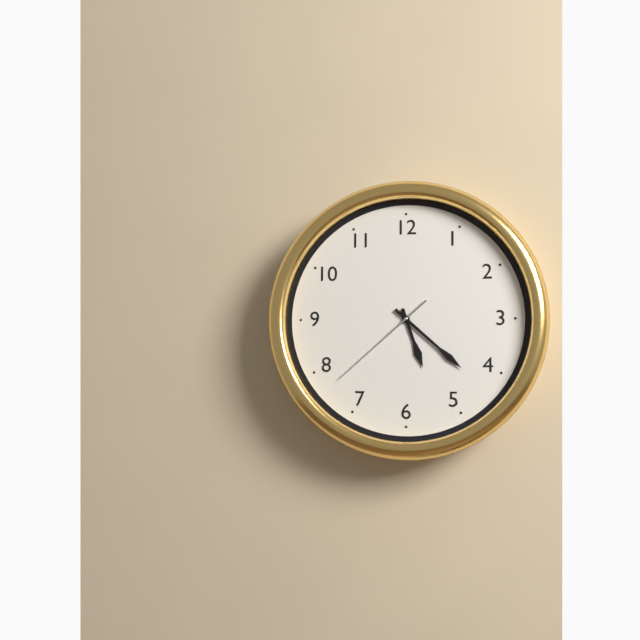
5 h 22 min 38 s
